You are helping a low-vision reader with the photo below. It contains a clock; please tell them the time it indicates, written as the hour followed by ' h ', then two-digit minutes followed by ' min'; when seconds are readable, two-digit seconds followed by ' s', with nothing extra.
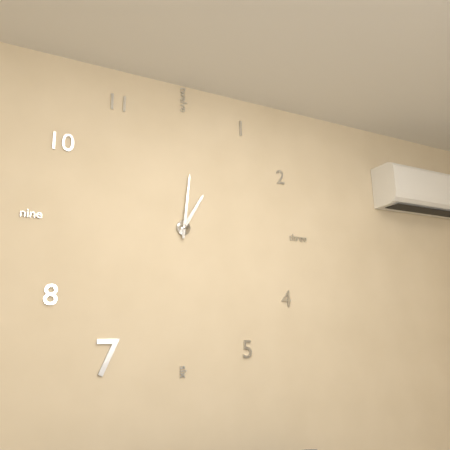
1 h 01 min
